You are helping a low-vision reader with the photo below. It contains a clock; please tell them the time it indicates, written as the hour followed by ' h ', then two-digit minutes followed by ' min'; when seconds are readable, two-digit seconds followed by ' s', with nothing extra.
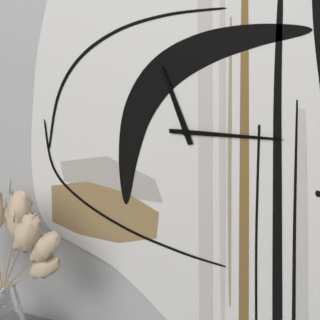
11 h 14 min
